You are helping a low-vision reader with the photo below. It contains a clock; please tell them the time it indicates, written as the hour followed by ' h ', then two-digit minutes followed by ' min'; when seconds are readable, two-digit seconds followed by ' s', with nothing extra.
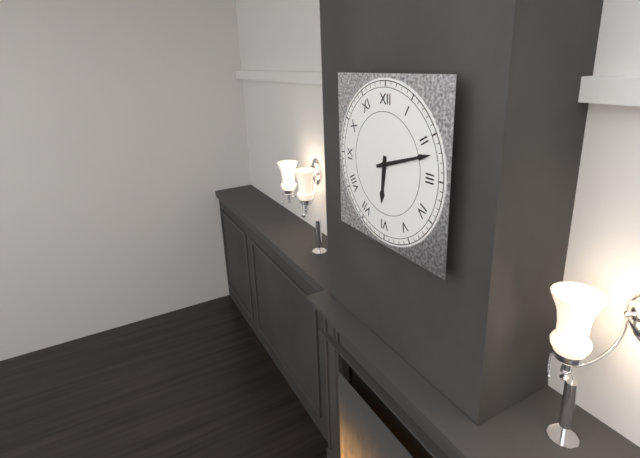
6 h 12 min
